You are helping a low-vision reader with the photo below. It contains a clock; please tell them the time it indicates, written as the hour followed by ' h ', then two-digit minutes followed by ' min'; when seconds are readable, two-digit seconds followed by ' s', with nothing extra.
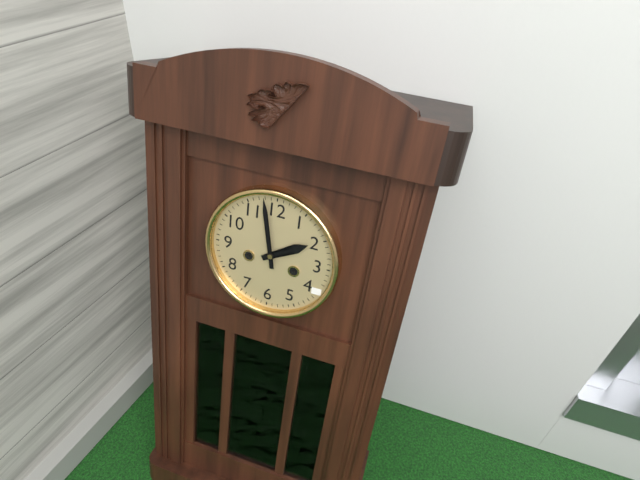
1 h 58 min
